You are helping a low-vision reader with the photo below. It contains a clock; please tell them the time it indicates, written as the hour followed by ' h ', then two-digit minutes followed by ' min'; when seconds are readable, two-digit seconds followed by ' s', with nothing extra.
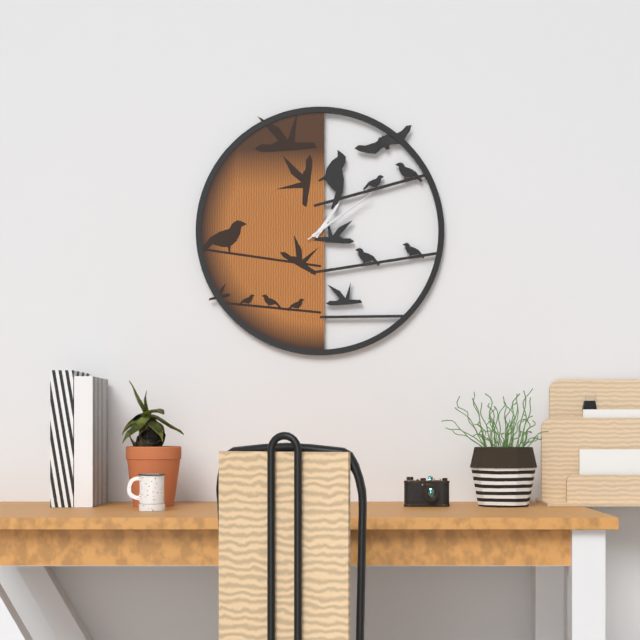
1 h 09 min 09 s
